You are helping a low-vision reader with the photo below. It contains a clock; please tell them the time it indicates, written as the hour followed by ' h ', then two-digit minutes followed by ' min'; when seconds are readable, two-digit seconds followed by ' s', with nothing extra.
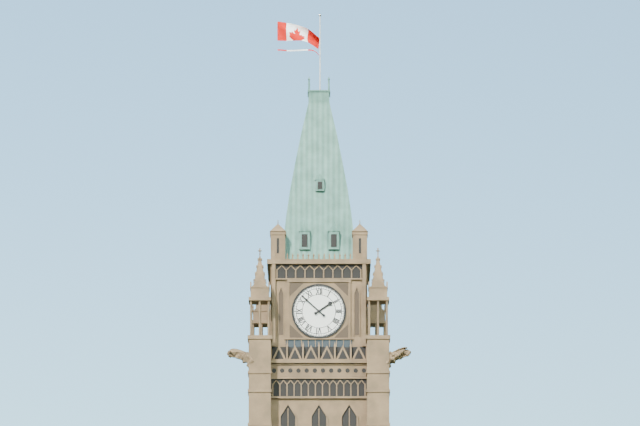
1 h 52 min
